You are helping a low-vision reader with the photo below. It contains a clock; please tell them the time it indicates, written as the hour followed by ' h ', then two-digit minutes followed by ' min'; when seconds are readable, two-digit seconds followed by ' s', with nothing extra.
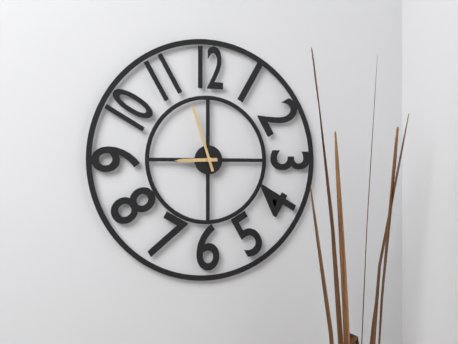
8 h 57 min
